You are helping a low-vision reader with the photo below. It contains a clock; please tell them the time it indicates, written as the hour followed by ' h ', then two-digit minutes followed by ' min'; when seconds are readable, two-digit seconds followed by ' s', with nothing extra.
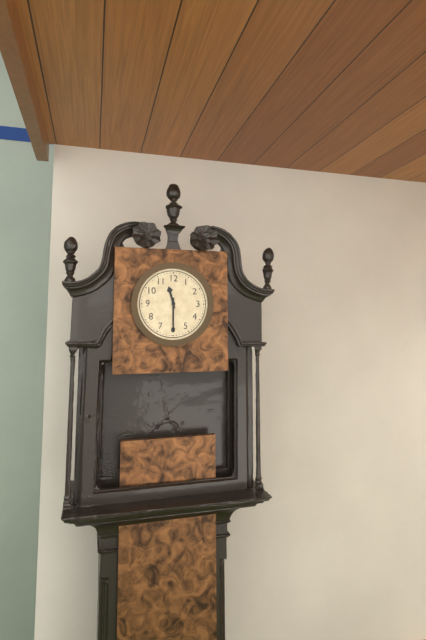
11 h 30 min
